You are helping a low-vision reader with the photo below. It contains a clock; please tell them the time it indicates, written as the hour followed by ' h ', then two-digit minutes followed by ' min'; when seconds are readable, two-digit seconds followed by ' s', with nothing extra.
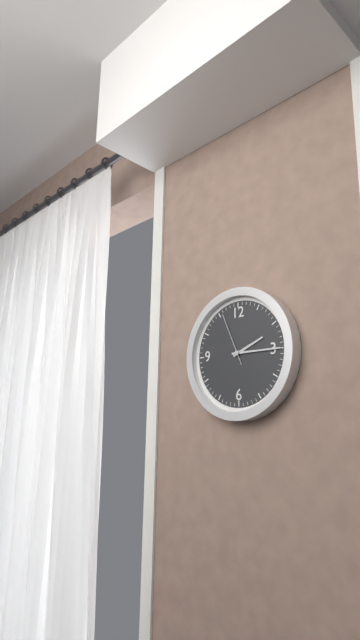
2 h 15 min 56 s
